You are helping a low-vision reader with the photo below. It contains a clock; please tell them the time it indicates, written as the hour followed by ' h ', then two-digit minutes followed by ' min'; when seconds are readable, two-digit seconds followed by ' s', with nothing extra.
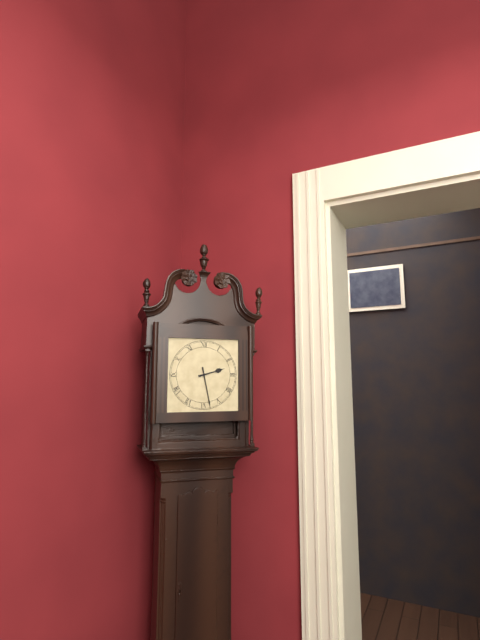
2 h 28 min
